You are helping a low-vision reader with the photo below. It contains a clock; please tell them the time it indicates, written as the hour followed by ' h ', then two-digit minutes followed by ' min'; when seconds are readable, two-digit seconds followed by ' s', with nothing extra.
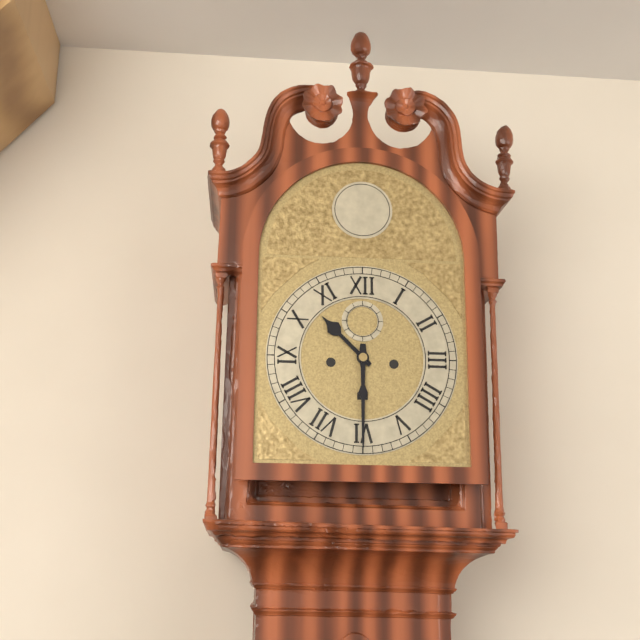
10 h 30 min
